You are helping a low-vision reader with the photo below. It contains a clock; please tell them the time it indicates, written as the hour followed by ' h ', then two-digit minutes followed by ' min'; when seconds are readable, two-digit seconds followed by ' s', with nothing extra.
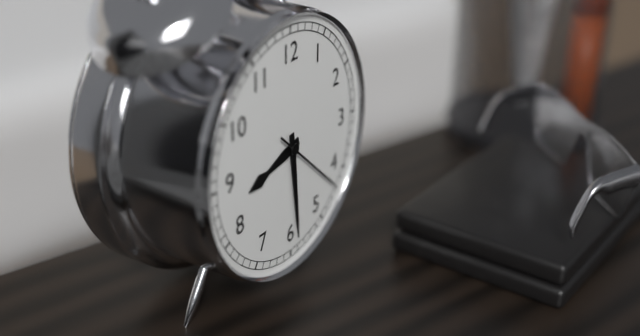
8 h 29 min 22 s
